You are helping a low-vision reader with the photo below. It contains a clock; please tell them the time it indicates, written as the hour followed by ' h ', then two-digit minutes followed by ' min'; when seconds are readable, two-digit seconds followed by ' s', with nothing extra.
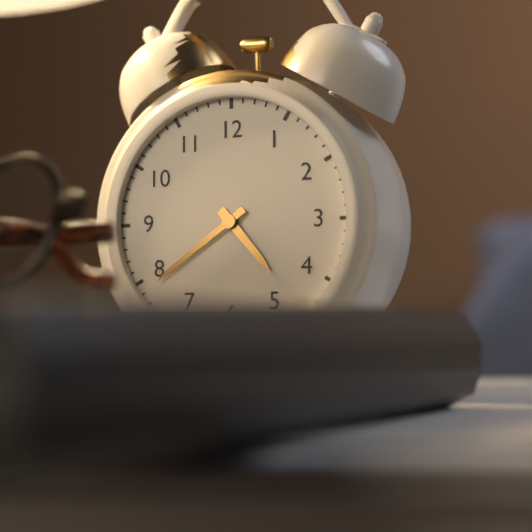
4 h 39 min
